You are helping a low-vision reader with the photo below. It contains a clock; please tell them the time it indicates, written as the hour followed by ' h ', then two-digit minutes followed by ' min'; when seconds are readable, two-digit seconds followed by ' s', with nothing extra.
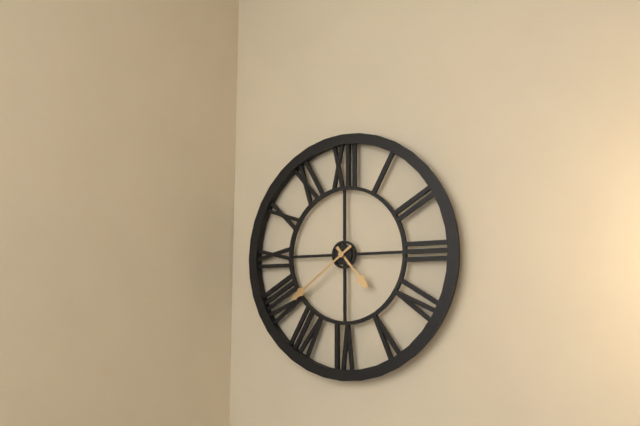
4 h 39 min
